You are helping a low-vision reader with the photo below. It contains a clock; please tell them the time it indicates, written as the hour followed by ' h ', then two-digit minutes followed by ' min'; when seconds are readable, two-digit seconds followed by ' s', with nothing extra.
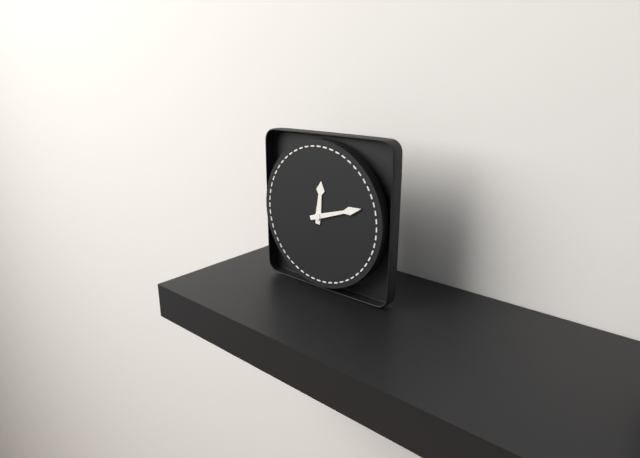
12 h 12 min
